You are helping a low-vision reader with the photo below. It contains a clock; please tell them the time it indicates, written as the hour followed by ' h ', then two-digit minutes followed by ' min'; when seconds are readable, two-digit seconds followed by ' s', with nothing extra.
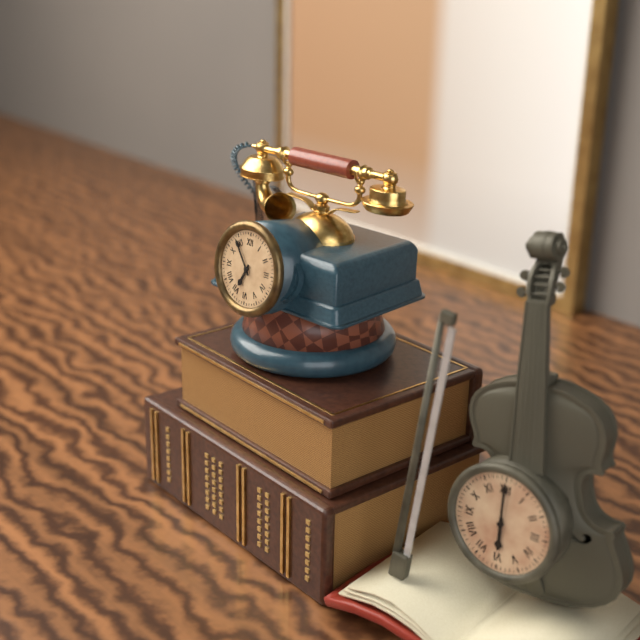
6 h 54 min
